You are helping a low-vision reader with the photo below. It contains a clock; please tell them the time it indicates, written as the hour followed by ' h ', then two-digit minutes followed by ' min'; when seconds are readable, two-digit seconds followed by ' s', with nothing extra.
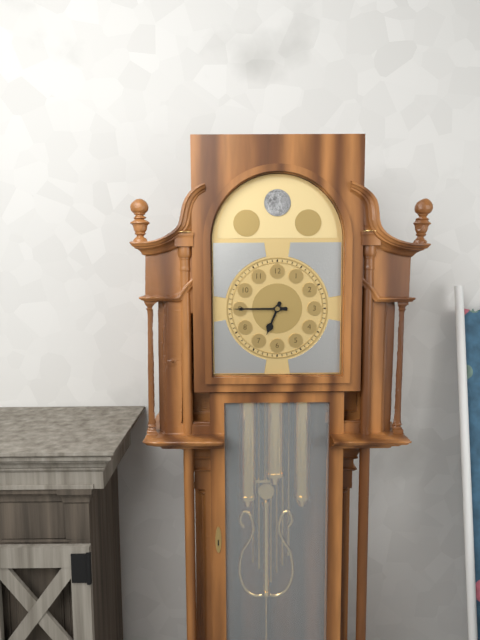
6 h 45 min
